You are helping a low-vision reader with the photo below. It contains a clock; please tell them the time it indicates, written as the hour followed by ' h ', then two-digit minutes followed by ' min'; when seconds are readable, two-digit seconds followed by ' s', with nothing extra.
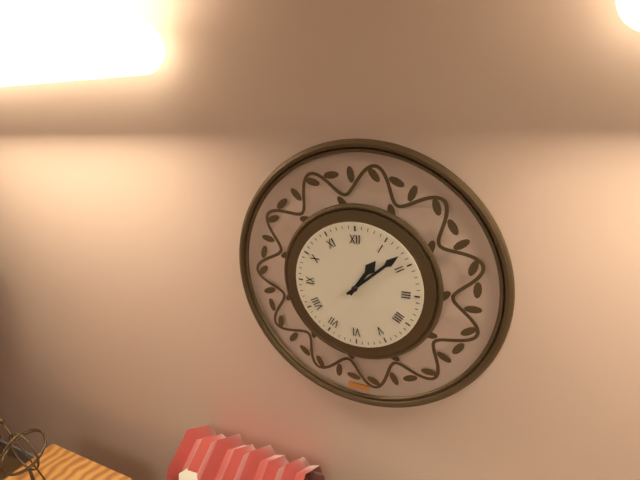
1 h 08 min
